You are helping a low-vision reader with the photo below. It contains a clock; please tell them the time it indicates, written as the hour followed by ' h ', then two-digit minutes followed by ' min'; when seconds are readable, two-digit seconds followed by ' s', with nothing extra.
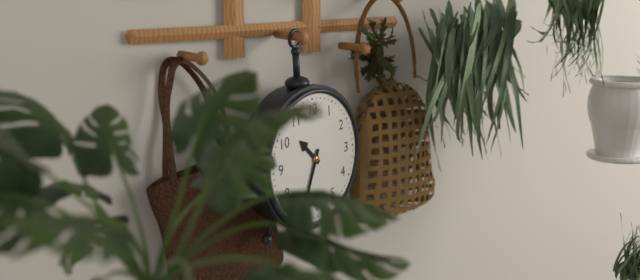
10 h 34 min
